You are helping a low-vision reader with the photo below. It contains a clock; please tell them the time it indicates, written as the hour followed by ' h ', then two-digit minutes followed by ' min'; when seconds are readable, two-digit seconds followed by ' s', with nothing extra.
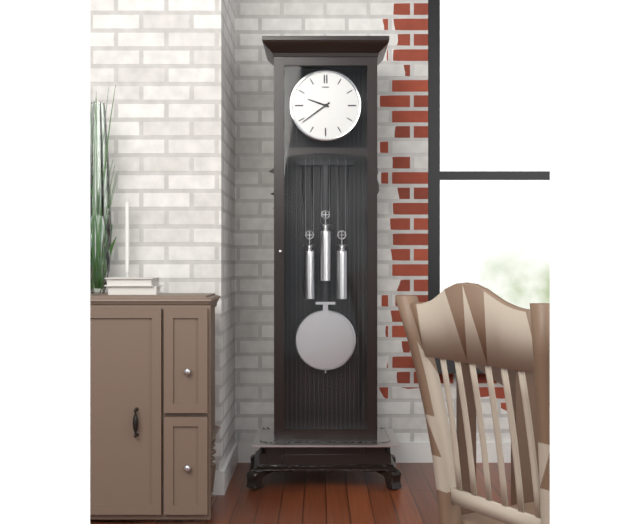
9 h 39 min
